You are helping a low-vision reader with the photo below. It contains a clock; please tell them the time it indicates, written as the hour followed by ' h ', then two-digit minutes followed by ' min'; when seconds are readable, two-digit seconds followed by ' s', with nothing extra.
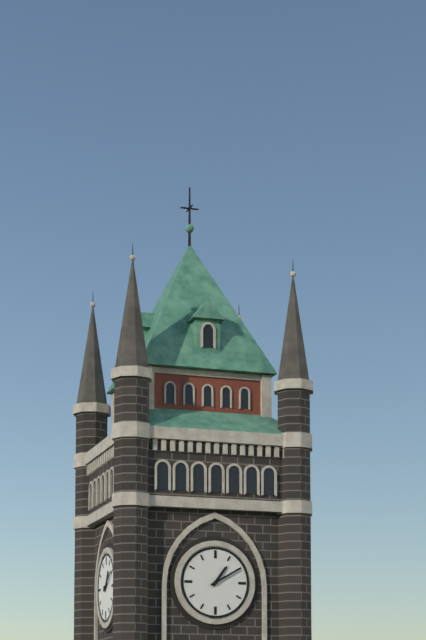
1 h 10 min
